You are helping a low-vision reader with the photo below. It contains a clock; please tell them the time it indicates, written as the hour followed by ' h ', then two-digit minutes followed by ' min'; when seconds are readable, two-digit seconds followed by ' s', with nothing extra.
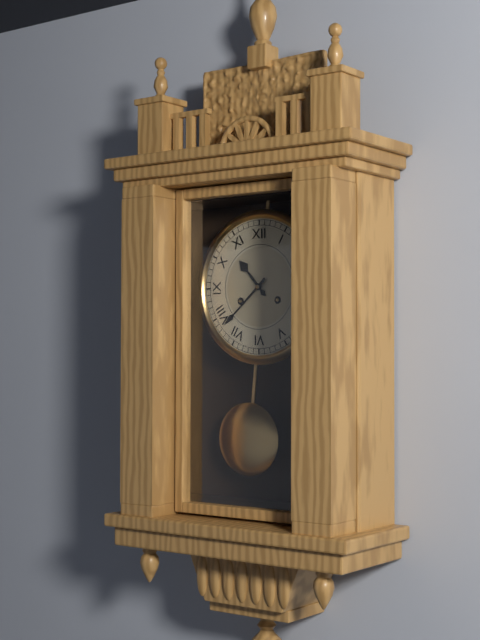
10 h 38 min
